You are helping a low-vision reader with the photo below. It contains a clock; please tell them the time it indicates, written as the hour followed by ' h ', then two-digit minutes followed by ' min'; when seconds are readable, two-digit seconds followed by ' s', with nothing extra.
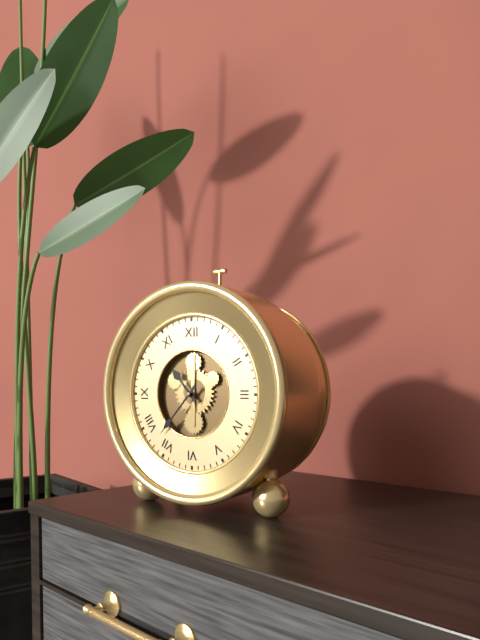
10 h 37 min
